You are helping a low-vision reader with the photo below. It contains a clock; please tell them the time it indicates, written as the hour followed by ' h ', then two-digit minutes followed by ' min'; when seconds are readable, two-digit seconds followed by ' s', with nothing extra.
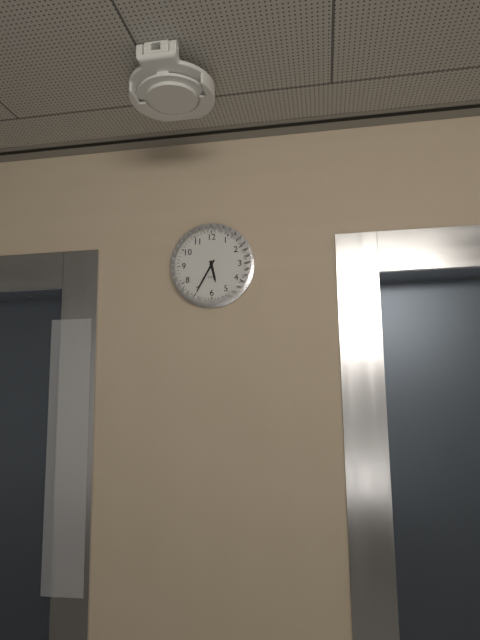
5 h 35 min
